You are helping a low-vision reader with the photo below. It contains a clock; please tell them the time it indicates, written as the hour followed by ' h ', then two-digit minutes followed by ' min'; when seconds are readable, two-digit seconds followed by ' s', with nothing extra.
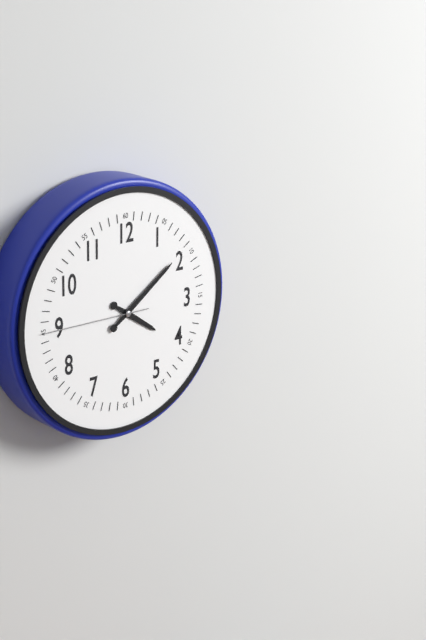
4 h 09 min 45 s
